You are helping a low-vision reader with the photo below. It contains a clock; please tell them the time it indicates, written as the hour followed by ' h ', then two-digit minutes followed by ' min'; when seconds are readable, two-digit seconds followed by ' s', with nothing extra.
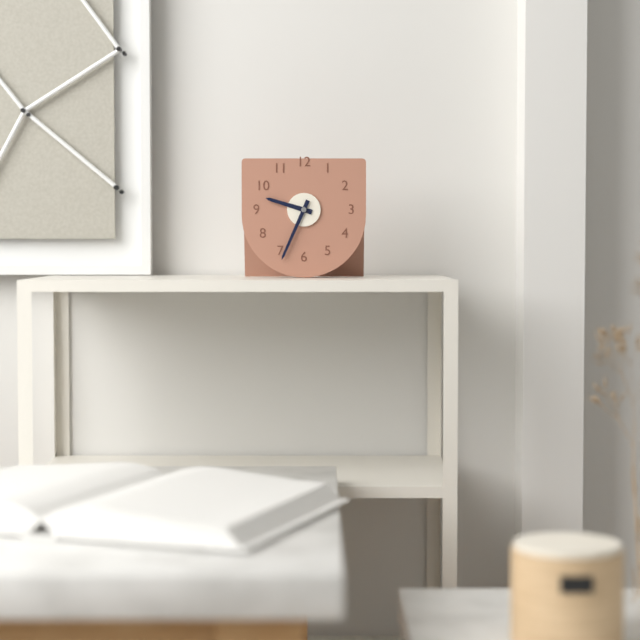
9 h 34 min
